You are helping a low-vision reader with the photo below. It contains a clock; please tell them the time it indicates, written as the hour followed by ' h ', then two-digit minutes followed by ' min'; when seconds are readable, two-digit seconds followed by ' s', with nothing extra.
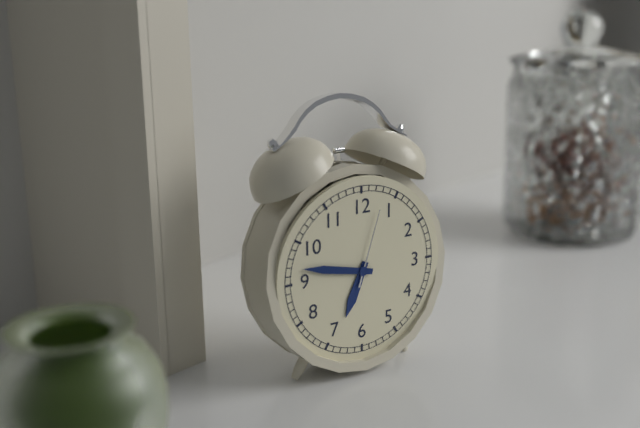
6 h 47 min 03 s
